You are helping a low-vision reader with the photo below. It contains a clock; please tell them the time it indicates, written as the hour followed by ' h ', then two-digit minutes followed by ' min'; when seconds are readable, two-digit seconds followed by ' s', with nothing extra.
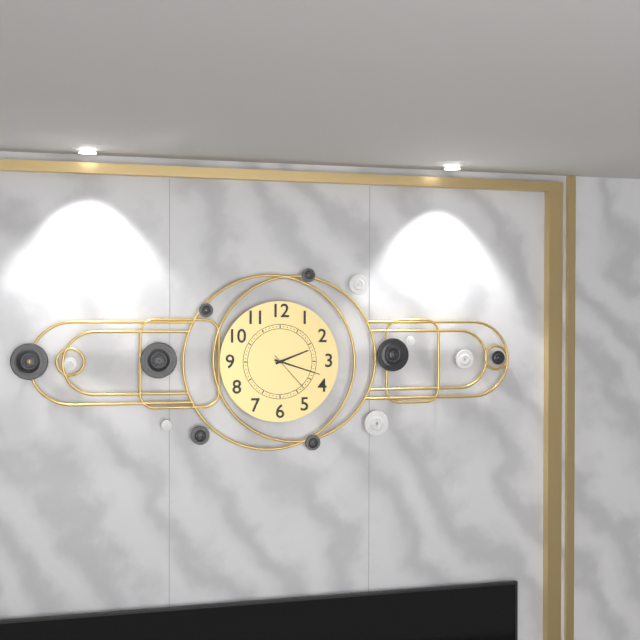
2 h 18 min
